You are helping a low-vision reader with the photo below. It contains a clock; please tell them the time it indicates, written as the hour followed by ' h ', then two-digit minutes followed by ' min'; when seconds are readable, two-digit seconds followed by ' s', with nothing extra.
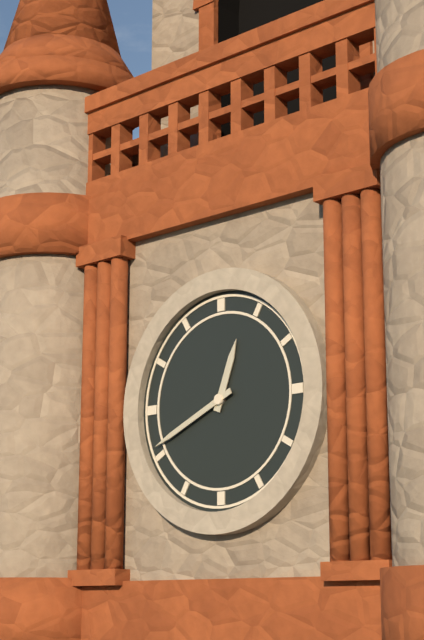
12 h 41 min
